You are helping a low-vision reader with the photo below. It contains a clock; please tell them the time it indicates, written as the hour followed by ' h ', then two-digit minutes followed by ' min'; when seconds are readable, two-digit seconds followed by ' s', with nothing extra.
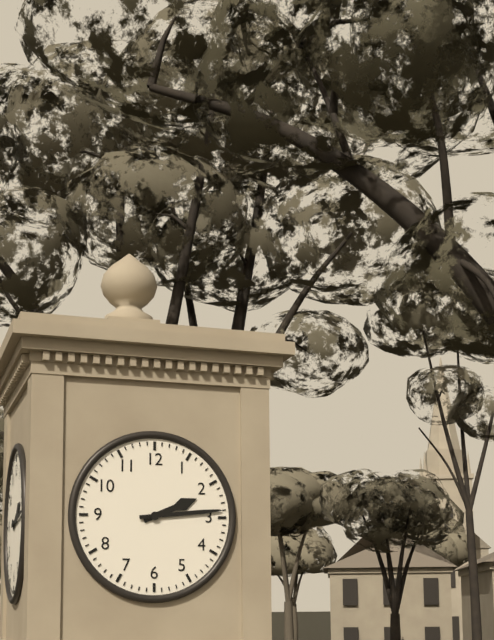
2 h 14 min
